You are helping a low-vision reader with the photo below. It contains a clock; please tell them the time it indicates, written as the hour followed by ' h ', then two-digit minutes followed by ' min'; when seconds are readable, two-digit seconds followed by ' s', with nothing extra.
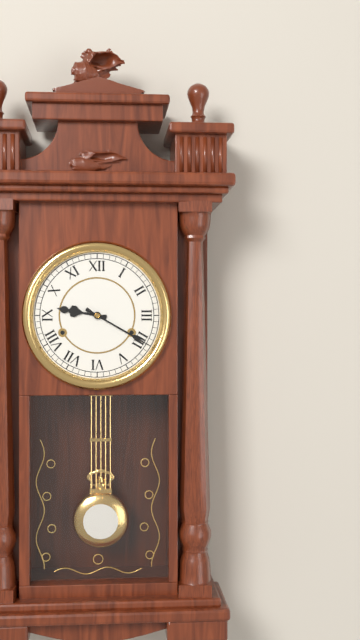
9 h 20 min
